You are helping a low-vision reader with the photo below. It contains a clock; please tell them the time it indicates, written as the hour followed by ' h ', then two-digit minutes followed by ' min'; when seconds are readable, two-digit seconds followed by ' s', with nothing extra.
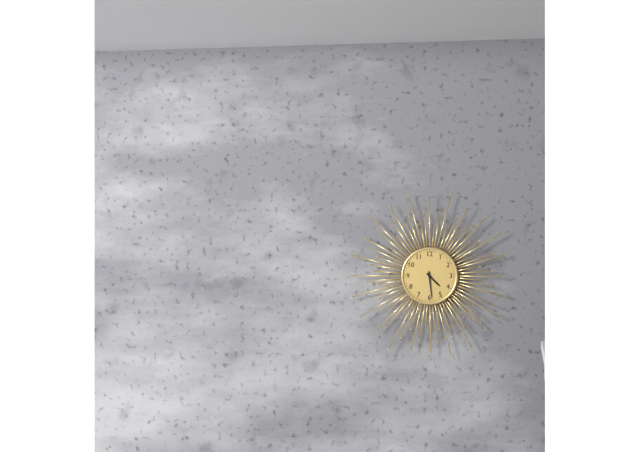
4 h 29 min
